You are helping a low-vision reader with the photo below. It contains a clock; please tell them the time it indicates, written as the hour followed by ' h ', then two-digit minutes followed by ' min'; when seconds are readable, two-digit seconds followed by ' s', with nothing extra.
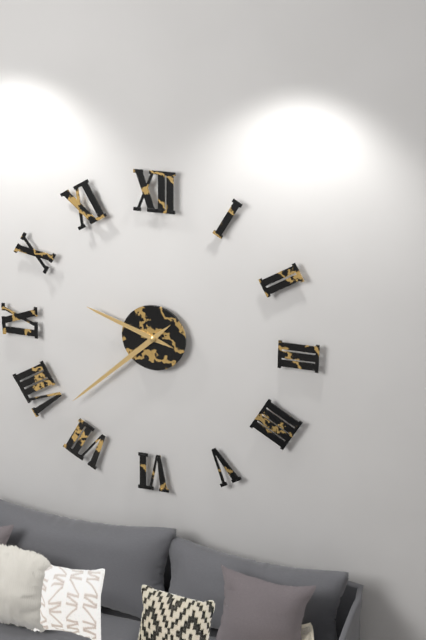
9 h 38 min
